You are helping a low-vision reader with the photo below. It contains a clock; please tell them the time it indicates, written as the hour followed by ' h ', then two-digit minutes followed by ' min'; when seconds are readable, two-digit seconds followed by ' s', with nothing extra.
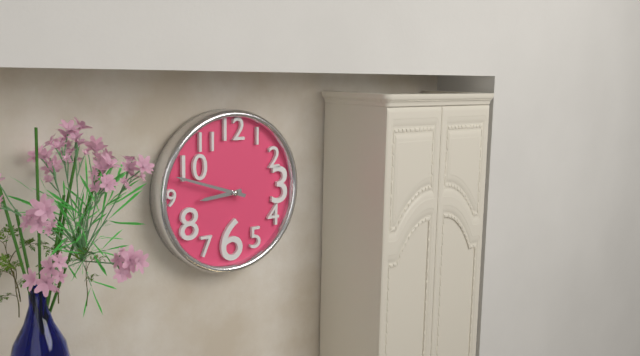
8 h 48 min
